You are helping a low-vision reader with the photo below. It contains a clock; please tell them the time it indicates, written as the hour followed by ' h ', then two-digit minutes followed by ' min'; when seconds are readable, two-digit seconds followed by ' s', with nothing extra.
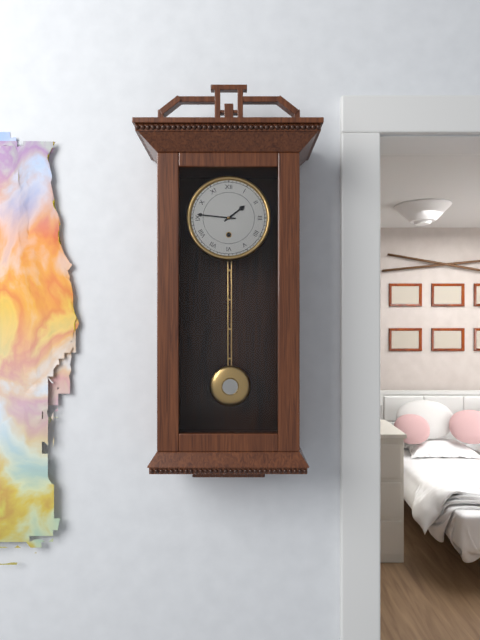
1 h 46 min
